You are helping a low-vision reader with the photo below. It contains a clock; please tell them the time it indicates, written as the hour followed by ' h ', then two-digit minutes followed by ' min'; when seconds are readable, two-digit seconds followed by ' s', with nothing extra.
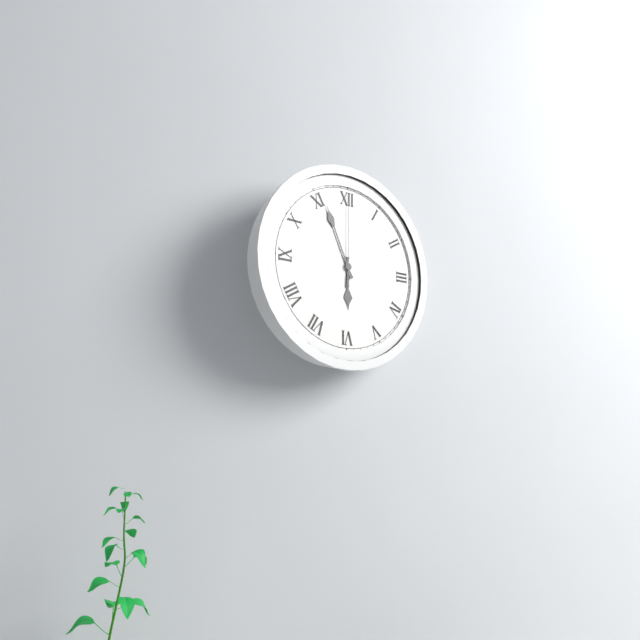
5 h 56 min 00 s
